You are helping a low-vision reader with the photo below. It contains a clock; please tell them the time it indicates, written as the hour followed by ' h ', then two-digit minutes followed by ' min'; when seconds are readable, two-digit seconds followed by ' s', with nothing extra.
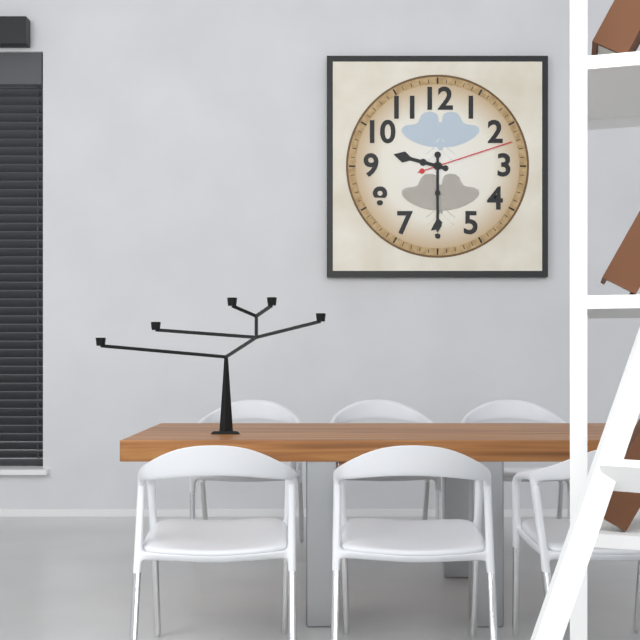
9 h 30 min 12 s
